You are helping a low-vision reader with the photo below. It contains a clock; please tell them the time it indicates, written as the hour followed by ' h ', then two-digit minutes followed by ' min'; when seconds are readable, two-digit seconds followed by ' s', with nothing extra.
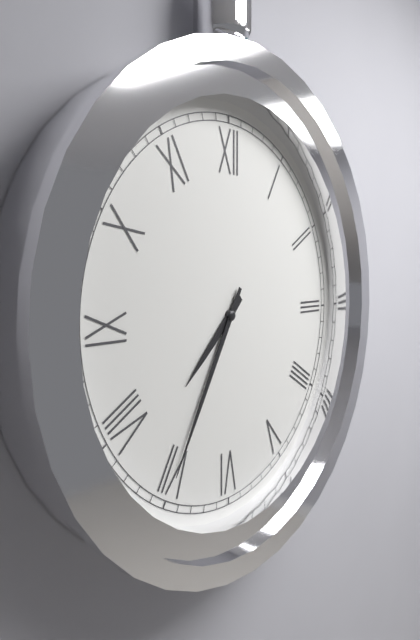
7 h 35 min
